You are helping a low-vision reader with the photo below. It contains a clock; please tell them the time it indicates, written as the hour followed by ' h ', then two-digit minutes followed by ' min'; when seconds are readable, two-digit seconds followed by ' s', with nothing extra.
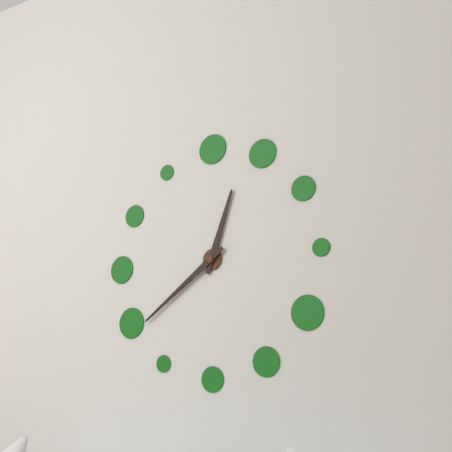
12 h 39 min
